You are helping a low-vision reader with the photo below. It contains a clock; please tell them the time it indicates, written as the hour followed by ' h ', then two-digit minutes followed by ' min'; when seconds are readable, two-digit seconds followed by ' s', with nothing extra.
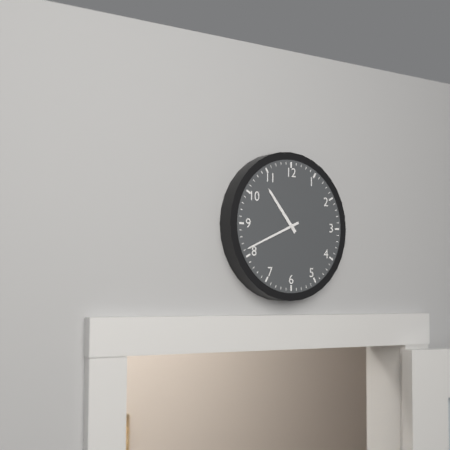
10 h 41 min
